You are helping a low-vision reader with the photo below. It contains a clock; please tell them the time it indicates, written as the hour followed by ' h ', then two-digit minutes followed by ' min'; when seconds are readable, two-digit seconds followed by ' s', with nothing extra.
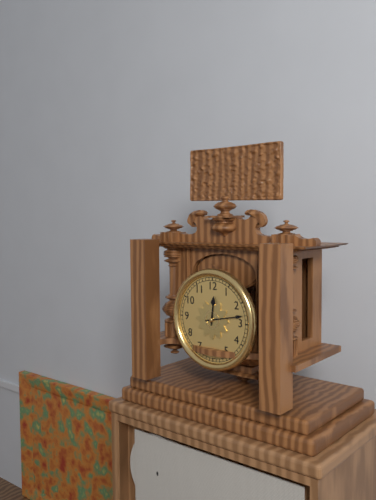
12 h 13 min
